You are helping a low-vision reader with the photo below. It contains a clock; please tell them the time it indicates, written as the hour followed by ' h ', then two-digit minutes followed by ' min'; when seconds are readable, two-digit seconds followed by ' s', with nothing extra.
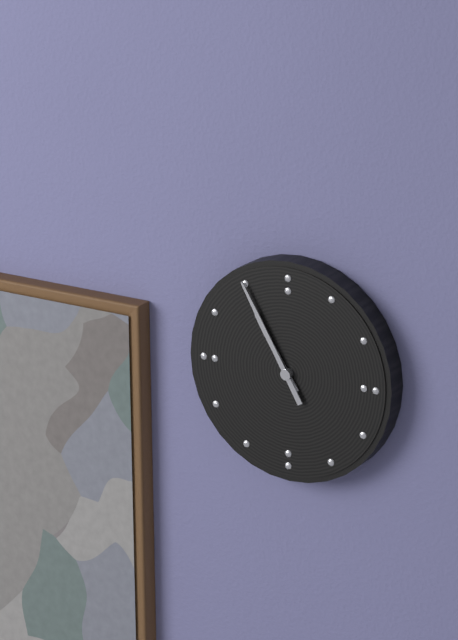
10 h 55 min
